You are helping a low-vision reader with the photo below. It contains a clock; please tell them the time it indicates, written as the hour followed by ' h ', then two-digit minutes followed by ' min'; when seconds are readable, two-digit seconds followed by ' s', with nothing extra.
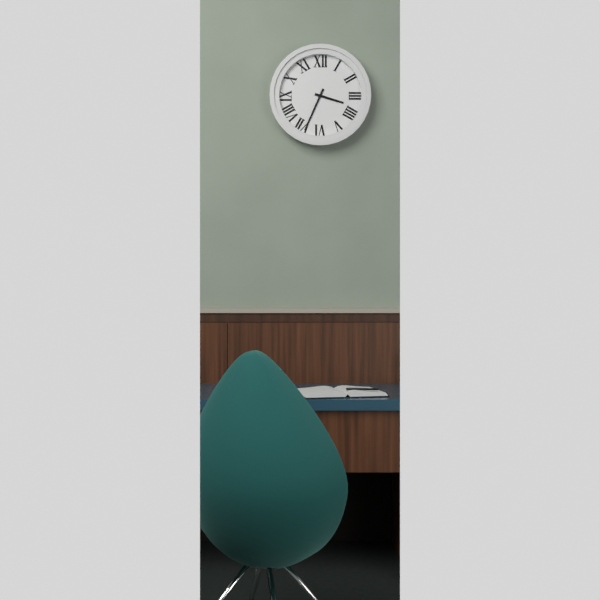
3 h 34 min
